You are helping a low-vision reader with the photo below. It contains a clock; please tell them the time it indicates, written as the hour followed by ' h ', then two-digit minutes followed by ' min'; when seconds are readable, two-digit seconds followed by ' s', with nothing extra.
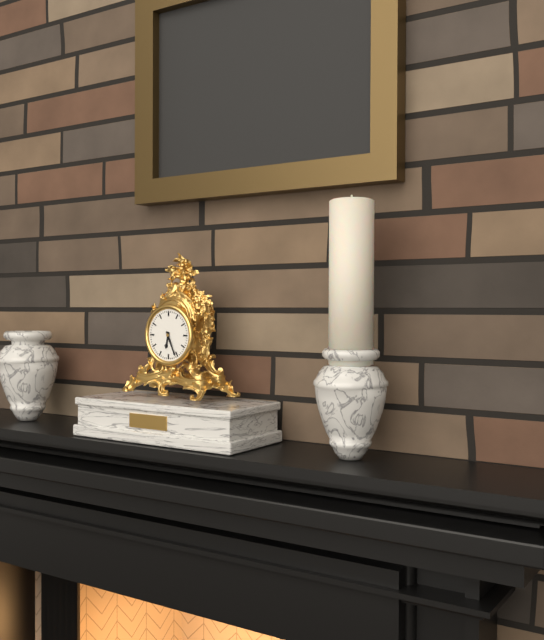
6 h 26 min
